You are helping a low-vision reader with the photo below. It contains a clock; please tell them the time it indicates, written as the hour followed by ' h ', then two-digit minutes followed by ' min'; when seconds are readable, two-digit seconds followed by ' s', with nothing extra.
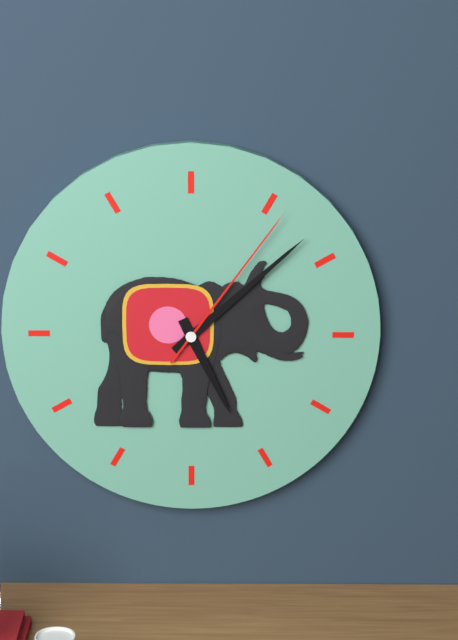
5 h 08 min 06 s
